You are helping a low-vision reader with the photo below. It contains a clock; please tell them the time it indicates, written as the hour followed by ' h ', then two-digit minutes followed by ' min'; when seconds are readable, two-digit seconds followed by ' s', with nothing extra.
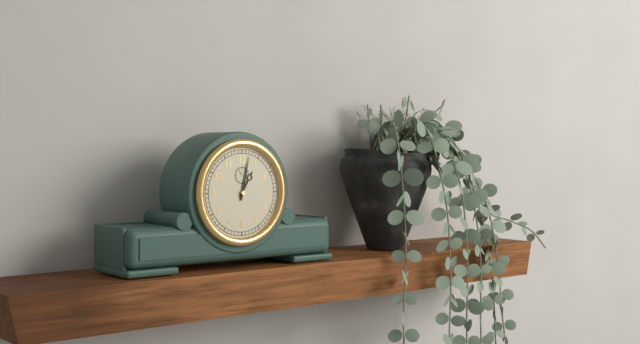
1 h 02 min
